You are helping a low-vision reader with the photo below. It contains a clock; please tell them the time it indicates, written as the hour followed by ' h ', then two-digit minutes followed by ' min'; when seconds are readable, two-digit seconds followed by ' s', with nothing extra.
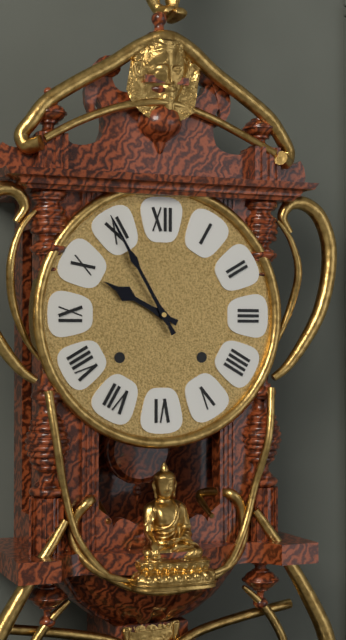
9 h 55 min
